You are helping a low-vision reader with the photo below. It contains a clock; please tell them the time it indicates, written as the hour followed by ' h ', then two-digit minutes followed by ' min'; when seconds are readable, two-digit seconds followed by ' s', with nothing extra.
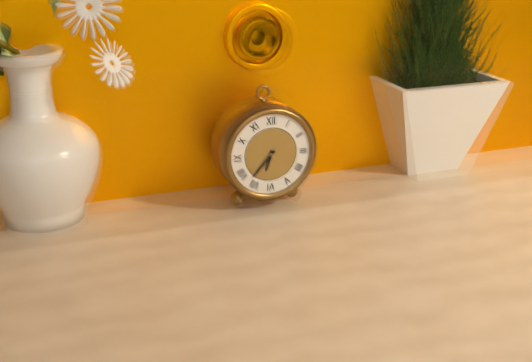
6 h 37 min
